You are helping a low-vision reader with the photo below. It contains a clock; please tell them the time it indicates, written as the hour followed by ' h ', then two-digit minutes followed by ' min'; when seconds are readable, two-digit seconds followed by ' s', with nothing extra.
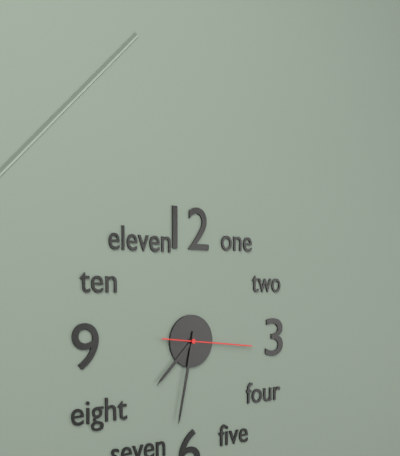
7 h 32 min 16 s
